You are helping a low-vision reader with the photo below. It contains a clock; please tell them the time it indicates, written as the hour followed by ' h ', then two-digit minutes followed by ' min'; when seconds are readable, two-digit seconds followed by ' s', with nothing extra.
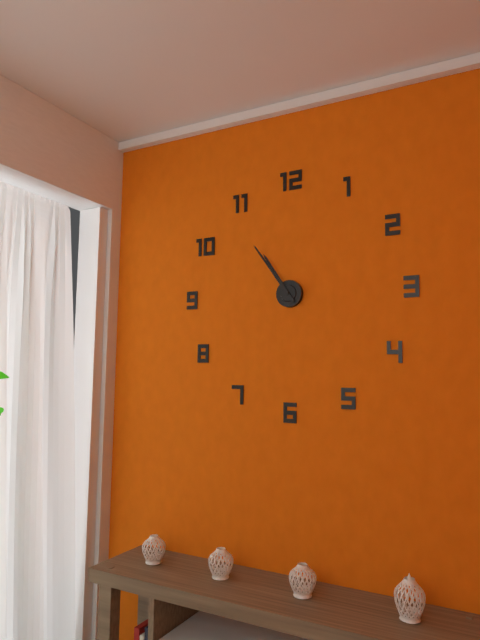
10 h 54 min
